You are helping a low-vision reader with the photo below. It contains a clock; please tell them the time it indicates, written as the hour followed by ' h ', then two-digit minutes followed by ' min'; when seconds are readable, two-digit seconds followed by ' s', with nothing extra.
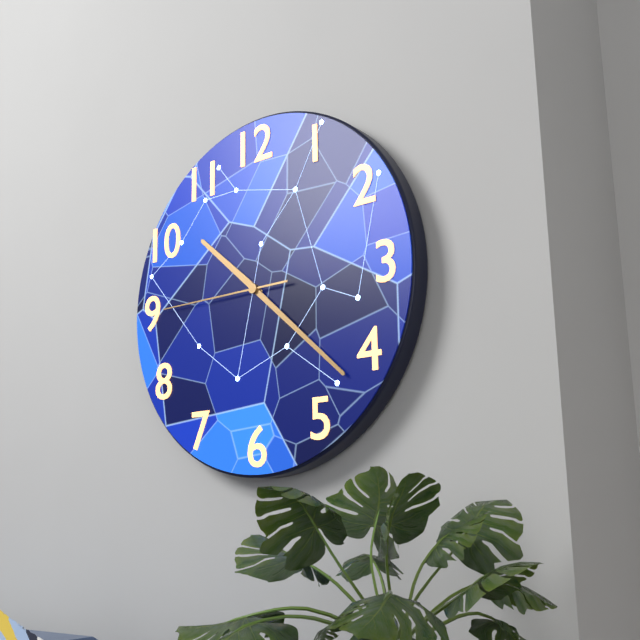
10 h 22 min 45 s
